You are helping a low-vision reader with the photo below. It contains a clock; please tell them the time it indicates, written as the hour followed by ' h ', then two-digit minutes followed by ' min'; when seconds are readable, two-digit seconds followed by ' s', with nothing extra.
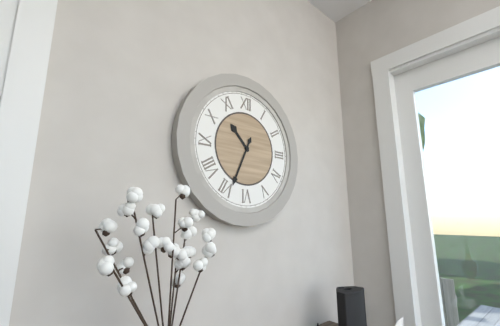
10 h 34 min
